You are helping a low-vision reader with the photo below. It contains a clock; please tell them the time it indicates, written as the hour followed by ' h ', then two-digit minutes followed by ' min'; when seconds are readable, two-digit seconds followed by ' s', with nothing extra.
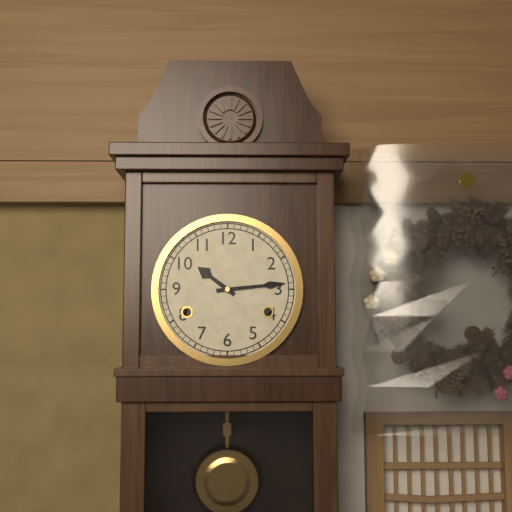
10 h 14 min
